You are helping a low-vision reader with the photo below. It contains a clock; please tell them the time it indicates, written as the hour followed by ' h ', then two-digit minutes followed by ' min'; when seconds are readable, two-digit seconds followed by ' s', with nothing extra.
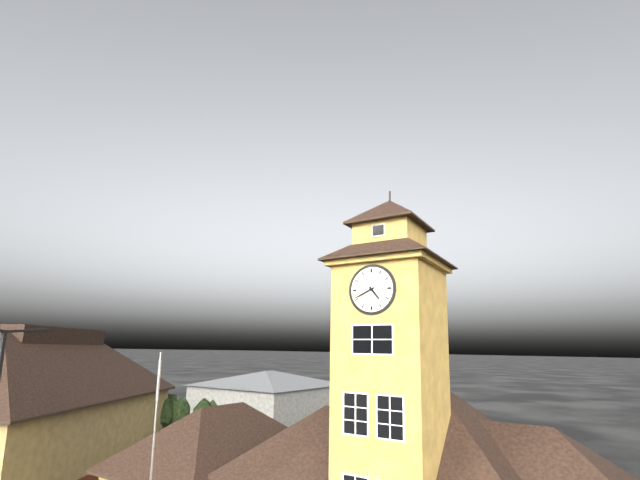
4 h 41 min
